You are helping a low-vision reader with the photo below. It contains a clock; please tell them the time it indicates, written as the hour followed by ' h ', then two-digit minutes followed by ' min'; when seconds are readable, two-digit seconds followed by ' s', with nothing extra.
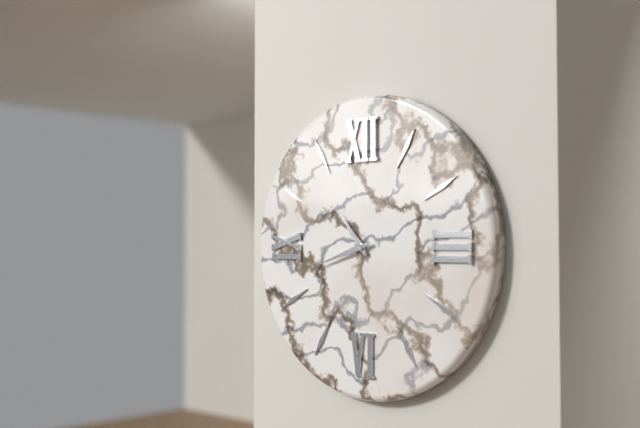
10 h 42 min
